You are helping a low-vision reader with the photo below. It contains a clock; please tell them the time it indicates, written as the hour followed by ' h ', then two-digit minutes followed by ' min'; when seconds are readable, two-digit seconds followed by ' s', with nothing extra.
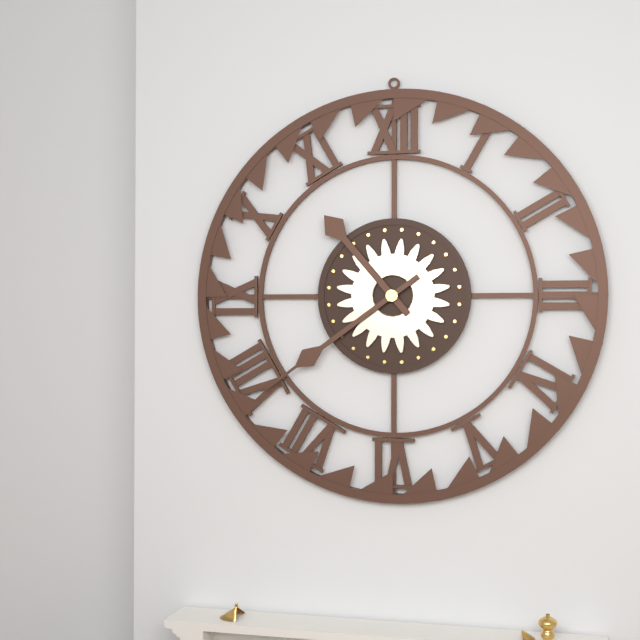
10 h 39 min
